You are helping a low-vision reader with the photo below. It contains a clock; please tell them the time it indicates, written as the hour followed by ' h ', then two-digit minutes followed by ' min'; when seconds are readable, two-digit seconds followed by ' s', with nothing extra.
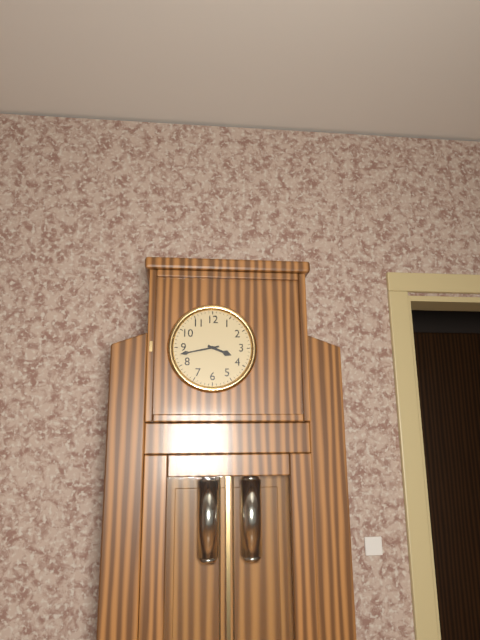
3 h 43 min
